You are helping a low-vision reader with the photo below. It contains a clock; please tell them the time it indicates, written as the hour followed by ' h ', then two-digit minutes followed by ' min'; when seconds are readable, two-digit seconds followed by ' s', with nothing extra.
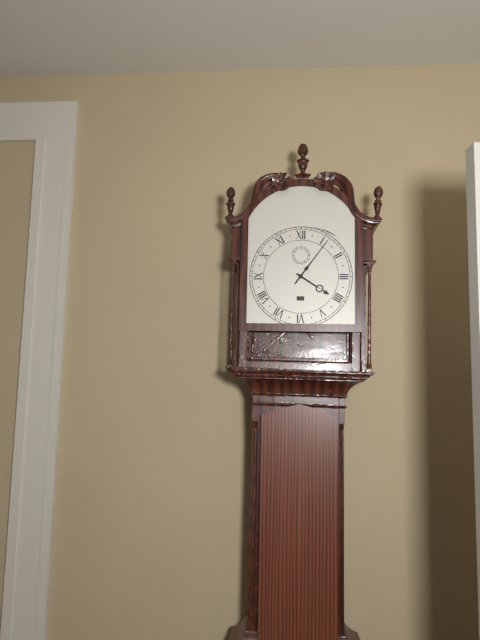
4 h 06 min
